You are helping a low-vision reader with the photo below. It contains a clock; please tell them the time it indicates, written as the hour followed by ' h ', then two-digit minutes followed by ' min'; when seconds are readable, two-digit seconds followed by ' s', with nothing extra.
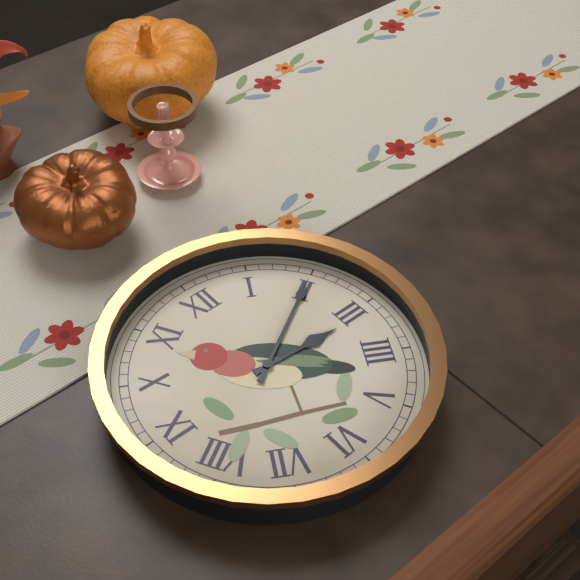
3 h 10 min
